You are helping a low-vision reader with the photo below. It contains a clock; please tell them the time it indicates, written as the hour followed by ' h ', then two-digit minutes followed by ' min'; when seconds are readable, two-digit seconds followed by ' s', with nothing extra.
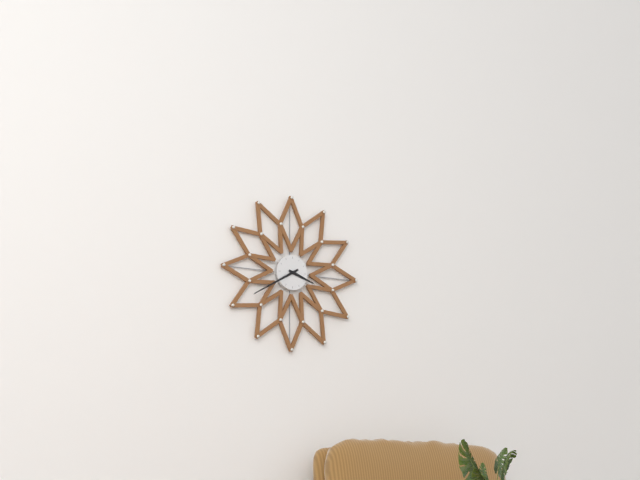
3 h 40 min
